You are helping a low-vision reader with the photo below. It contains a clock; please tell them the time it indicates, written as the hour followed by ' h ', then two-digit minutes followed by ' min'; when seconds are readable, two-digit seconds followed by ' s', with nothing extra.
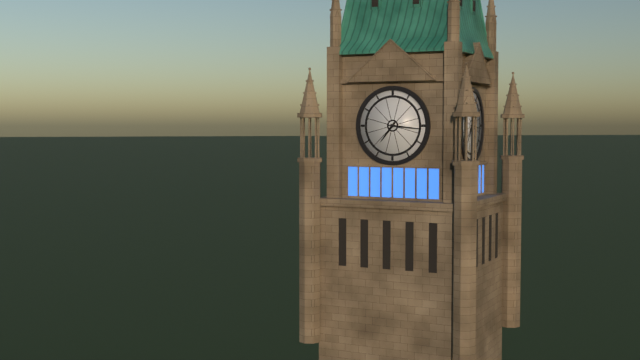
7 h 16 min
